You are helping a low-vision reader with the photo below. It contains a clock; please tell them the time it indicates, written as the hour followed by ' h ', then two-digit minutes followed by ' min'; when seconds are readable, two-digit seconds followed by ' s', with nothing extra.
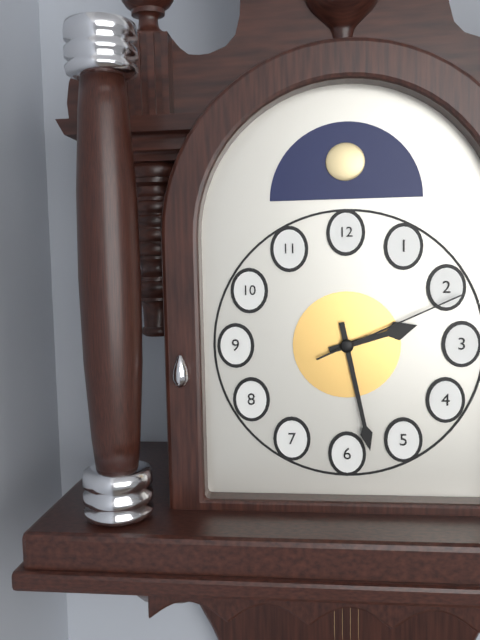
2 h 28 min 11 s
